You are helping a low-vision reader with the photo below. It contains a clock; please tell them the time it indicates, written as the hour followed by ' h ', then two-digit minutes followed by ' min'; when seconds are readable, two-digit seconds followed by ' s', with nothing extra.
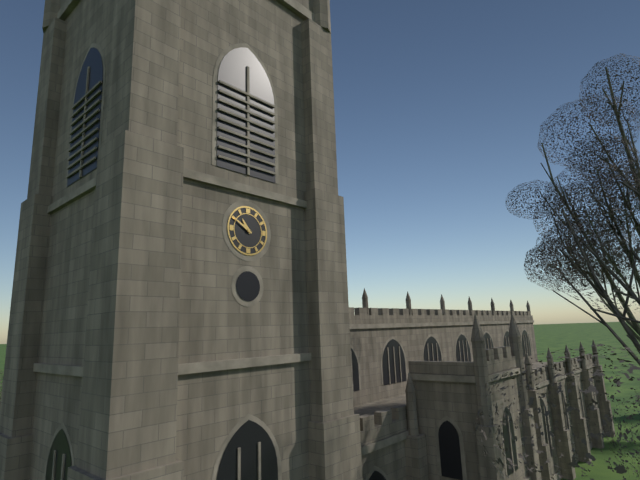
10 h 50 min
